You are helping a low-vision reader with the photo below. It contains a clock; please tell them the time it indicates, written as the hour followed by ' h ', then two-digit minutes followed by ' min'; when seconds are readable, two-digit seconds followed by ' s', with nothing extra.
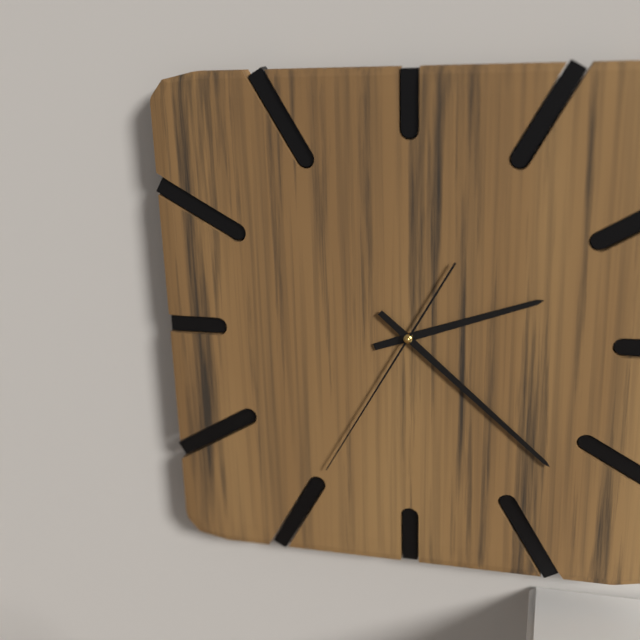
2 h 22 min 35 s
